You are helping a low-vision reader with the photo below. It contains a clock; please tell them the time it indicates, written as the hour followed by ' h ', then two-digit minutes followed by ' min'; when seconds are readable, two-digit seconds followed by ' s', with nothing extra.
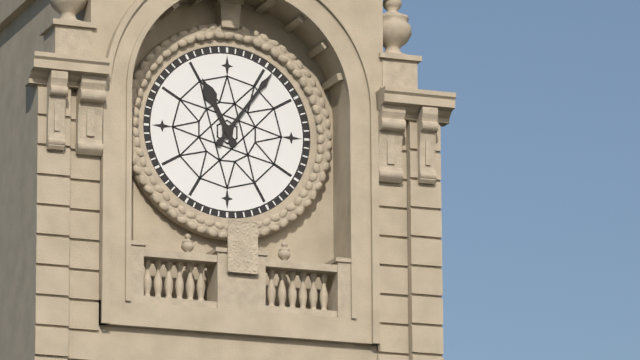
11 h 06 min
